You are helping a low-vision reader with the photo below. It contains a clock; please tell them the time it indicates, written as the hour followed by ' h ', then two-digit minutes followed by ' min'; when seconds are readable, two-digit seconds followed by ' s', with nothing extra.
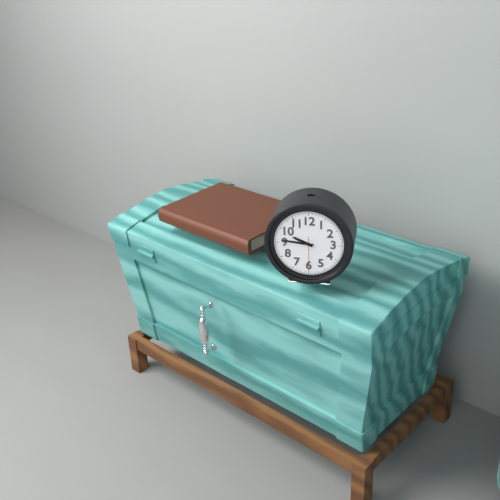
9 h 46 min
